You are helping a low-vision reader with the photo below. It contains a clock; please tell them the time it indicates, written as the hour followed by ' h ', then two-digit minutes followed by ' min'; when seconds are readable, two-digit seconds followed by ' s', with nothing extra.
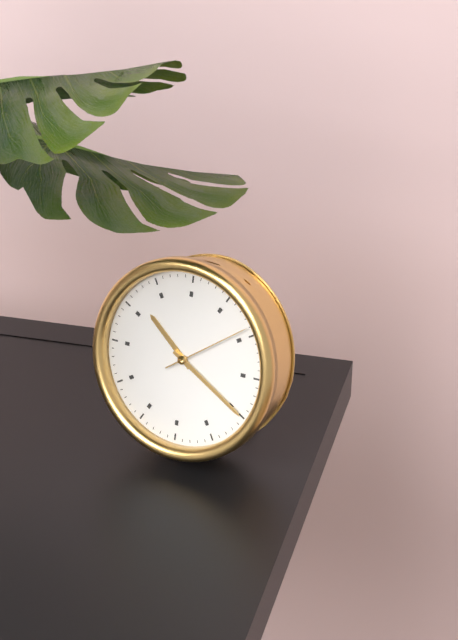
10 h 20 min 09 s
